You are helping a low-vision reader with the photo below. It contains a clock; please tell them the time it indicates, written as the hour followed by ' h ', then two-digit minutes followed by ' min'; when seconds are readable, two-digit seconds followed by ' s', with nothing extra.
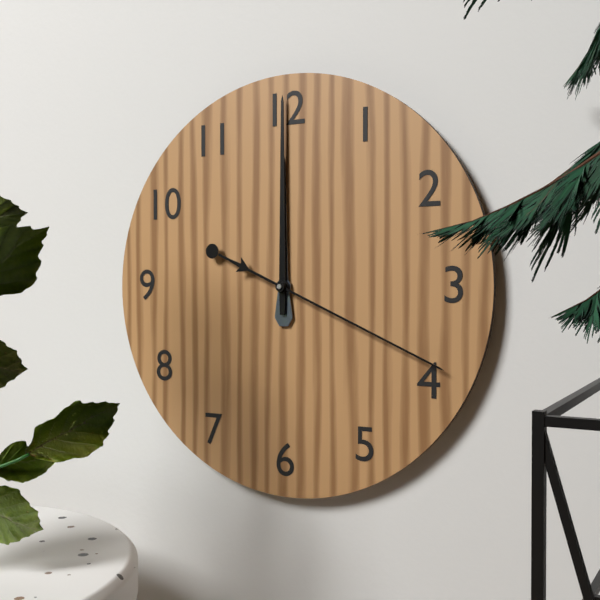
12 h 00 min 19 s
